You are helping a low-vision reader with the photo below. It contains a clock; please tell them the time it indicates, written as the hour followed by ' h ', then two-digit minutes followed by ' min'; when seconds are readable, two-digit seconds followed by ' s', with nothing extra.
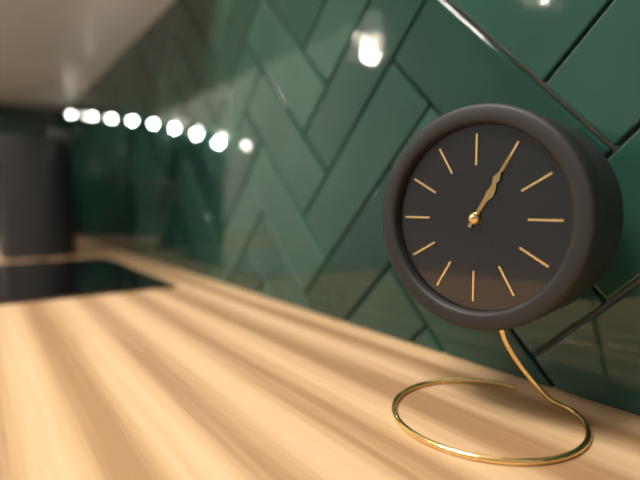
1 h 05 min
